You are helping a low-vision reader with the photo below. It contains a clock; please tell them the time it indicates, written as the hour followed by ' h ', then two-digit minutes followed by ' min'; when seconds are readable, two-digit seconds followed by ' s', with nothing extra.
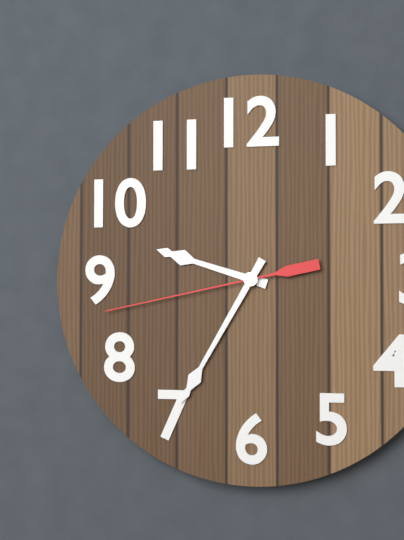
9 h 35 min 43 s
